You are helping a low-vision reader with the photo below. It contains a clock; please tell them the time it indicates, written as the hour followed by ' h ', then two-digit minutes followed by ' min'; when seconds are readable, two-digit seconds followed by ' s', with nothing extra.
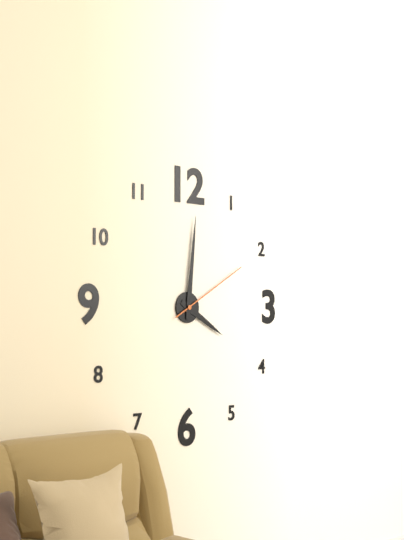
4 h 01 min 10 s
